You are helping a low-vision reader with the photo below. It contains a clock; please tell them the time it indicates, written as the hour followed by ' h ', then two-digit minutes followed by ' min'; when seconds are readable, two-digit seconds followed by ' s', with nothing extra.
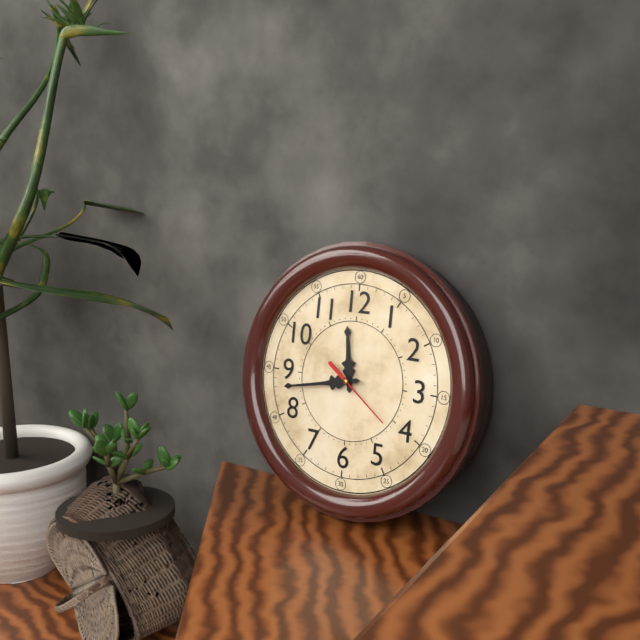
11 h 43 min 21 s
